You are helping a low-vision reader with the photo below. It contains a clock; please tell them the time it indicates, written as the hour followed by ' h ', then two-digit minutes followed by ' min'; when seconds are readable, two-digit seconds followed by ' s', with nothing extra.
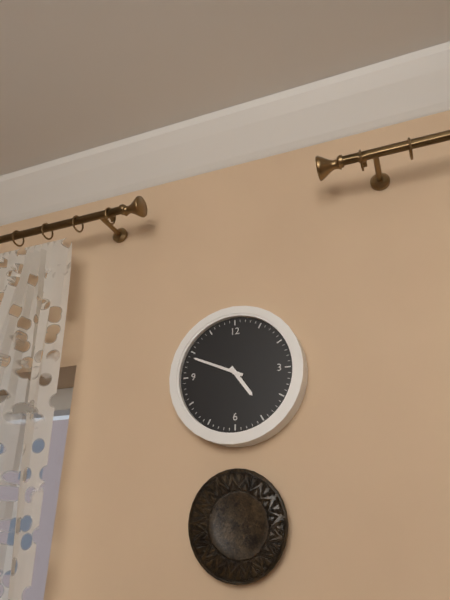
4 h 49 min
